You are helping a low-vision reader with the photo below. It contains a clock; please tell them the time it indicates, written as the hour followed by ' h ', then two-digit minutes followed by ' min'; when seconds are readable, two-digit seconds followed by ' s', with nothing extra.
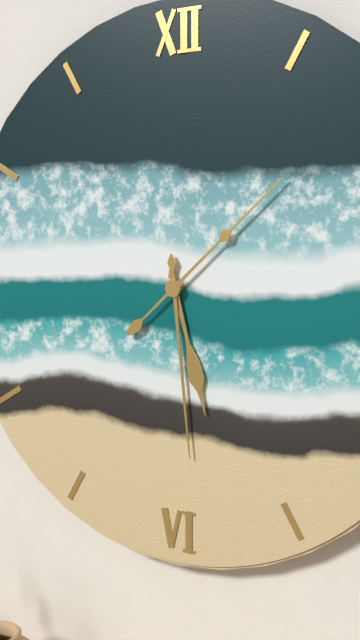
5 h 29 min 08 s
